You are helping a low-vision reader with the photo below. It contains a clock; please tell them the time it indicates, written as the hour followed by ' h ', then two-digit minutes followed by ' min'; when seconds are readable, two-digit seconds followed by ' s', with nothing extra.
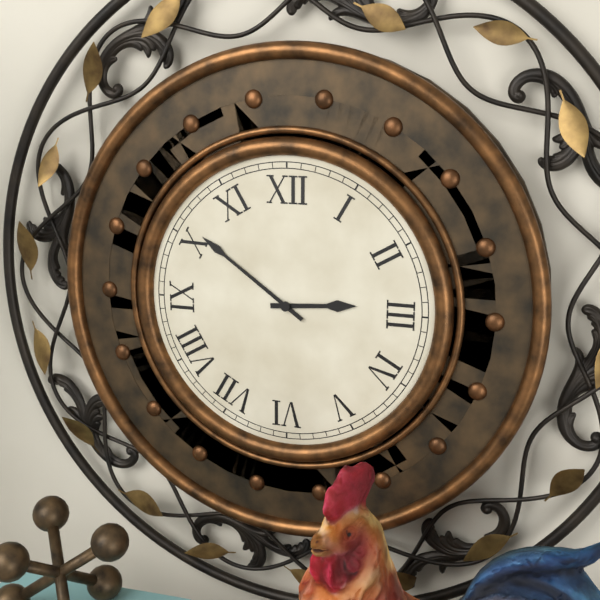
2 h 51 min
